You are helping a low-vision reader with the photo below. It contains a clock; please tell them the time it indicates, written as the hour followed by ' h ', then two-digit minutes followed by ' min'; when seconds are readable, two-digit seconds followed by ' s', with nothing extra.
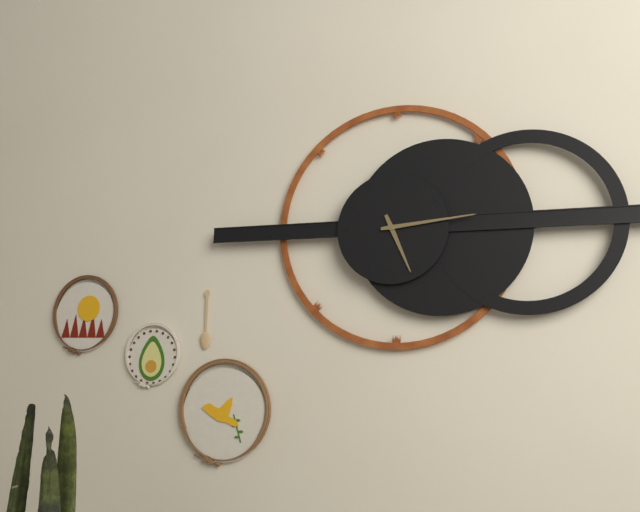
5 h 14 min
